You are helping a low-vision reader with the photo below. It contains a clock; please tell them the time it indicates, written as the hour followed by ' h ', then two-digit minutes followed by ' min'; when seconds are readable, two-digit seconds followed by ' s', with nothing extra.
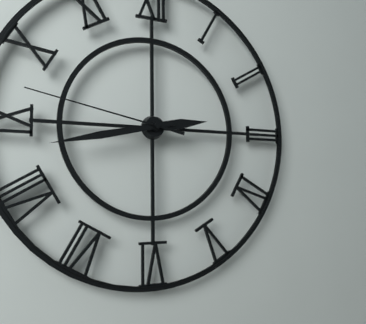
2 h 43 min 47 s
